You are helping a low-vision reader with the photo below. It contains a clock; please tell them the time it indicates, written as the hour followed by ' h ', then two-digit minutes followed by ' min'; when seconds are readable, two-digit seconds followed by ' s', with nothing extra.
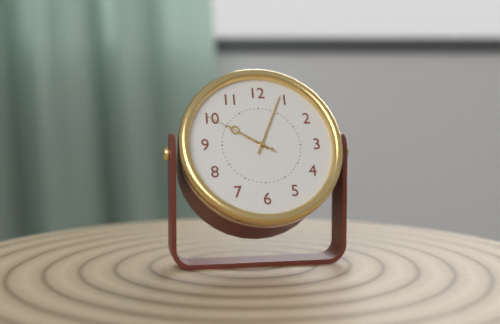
10 h 04 min 50 s
